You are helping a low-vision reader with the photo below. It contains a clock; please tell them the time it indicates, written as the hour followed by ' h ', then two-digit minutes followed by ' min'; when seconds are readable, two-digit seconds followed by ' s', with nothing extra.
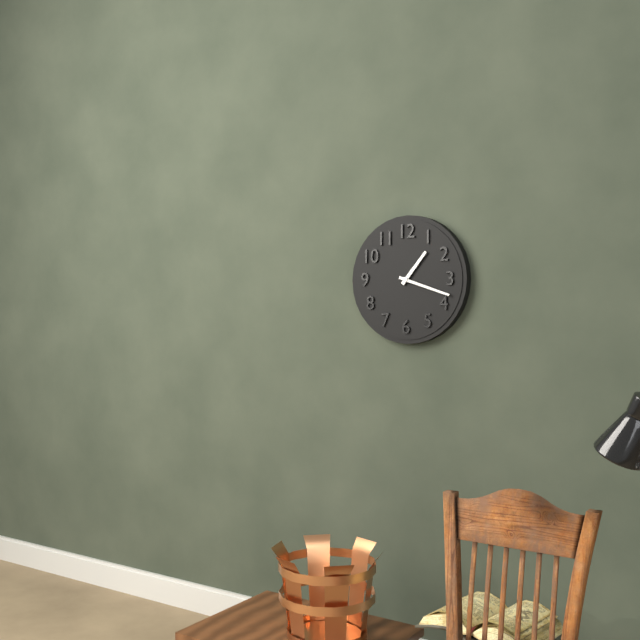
1 h 18 min
